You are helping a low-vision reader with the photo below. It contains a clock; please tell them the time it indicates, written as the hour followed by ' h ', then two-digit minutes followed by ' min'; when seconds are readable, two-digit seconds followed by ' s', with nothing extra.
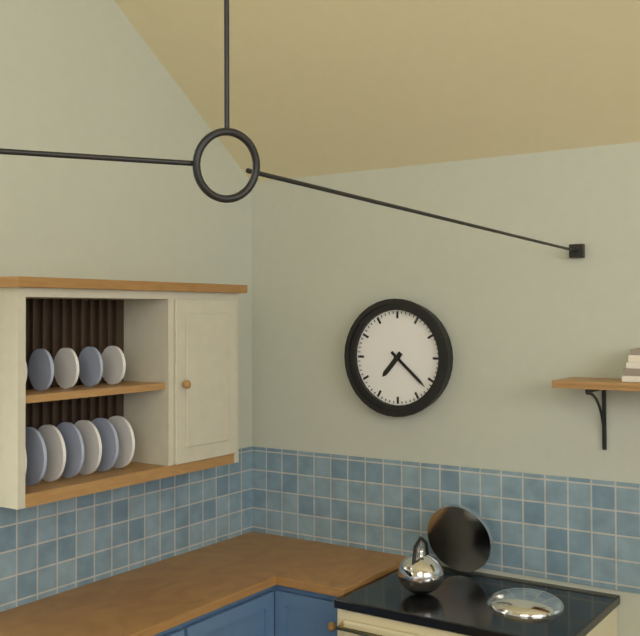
7 h 22 min
